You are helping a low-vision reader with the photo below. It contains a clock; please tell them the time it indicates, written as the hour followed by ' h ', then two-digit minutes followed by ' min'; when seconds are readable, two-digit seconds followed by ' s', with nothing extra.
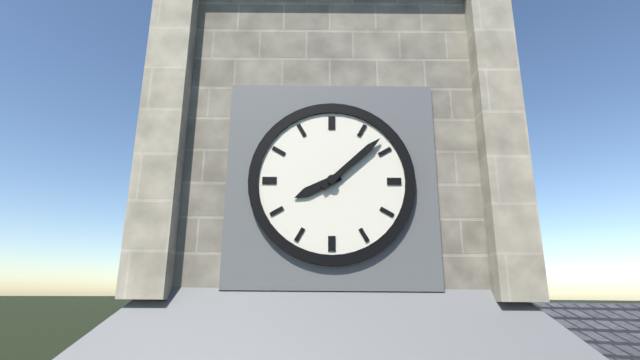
8 h 08 min
